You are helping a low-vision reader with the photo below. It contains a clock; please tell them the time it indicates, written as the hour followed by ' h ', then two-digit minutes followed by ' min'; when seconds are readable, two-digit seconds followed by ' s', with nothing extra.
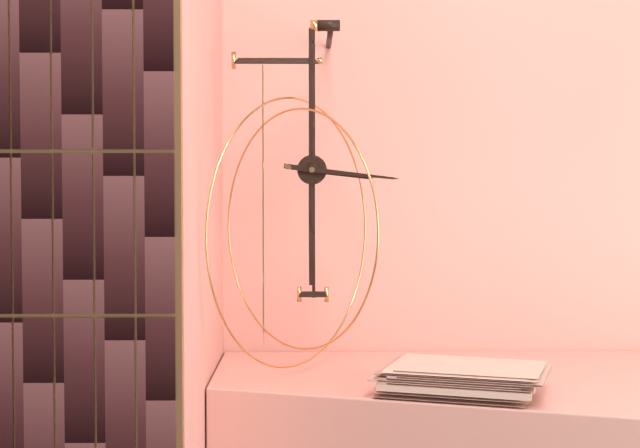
3 h 16 min
